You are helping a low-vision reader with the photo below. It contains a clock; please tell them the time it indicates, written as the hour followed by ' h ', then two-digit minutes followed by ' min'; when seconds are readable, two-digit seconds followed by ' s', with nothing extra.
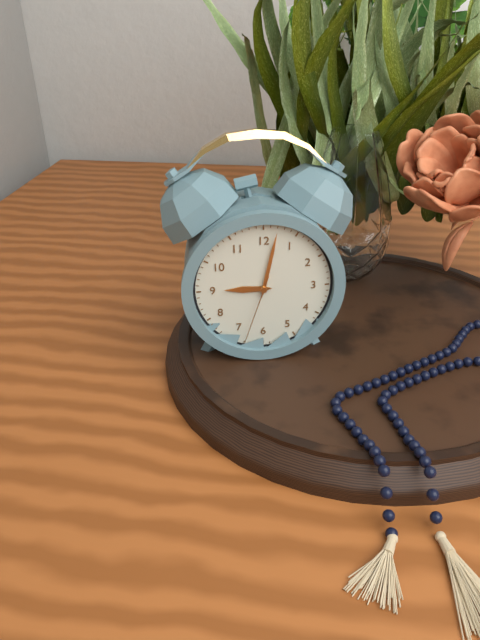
9 h 02 min 33 s
